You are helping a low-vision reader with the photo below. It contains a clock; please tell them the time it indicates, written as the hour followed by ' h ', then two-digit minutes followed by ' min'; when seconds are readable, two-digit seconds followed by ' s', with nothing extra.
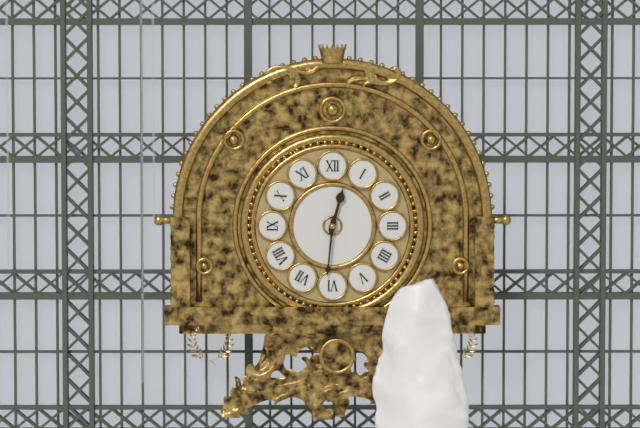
12 h 31 min
